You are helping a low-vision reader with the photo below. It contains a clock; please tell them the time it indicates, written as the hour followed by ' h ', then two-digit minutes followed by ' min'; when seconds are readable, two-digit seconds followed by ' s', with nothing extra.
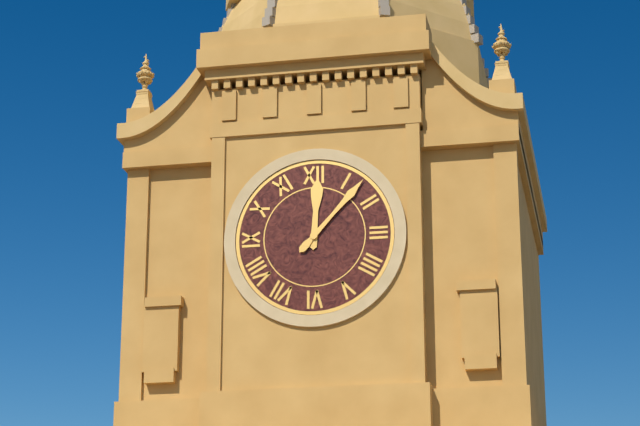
12 h 07 min
